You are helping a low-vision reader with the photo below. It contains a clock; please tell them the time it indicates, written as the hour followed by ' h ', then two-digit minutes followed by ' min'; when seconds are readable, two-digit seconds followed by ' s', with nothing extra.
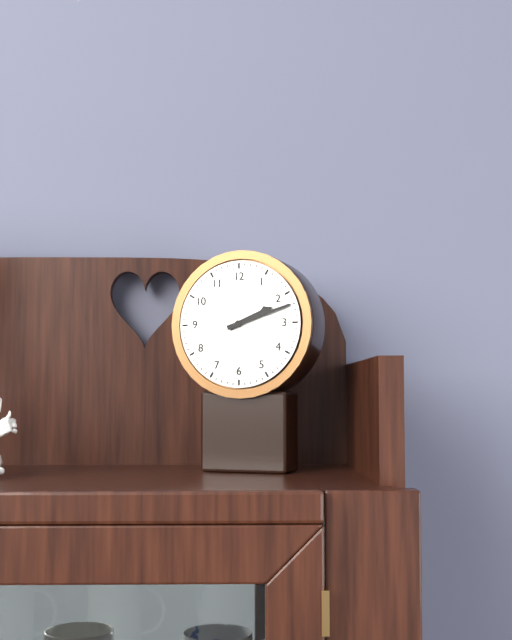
2 h 12 min
